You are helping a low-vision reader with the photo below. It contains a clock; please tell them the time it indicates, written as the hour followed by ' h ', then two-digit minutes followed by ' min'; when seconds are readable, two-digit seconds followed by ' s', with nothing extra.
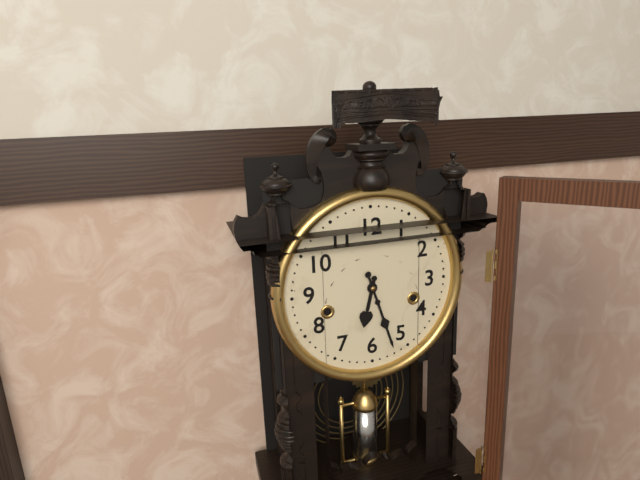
6 h 27 min
